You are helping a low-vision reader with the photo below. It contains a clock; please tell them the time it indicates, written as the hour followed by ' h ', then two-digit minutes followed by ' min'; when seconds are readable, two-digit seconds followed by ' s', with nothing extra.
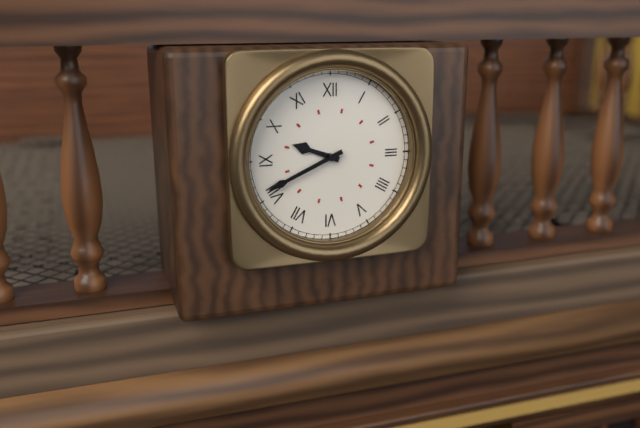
9 h 41 min
